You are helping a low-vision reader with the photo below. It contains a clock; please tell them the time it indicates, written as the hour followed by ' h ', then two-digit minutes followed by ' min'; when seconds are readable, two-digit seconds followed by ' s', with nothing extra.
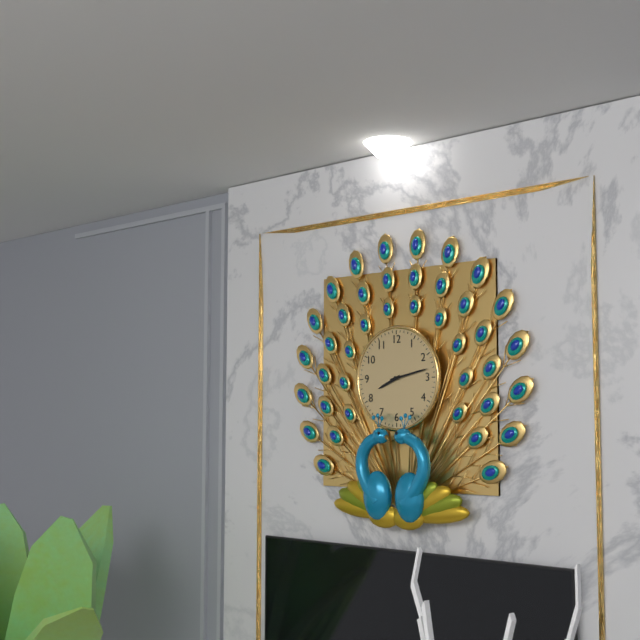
8 h 13 min
